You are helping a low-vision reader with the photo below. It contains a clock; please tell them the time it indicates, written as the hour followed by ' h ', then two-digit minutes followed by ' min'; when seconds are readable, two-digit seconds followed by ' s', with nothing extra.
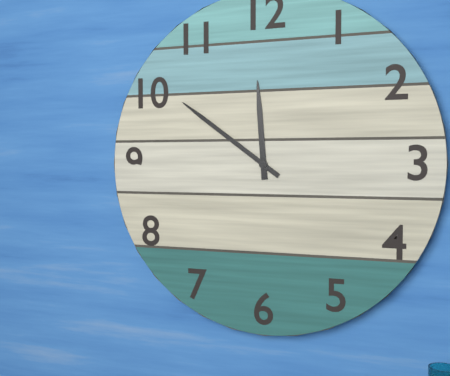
11 h 51 min
